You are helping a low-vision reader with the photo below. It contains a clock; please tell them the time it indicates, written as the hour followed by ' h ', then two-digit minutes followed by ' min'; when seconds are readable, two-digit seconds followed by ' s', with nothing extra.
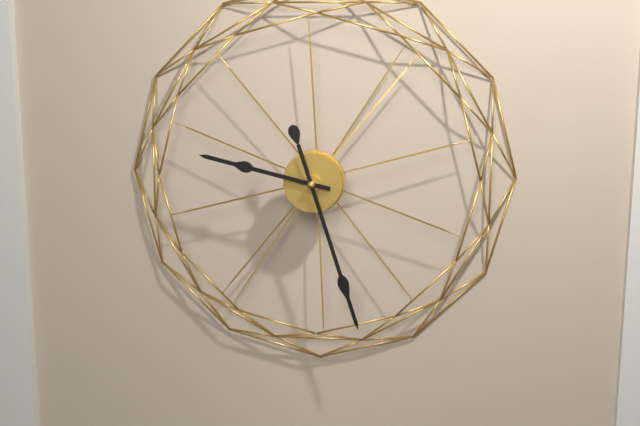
9 h 27 min
